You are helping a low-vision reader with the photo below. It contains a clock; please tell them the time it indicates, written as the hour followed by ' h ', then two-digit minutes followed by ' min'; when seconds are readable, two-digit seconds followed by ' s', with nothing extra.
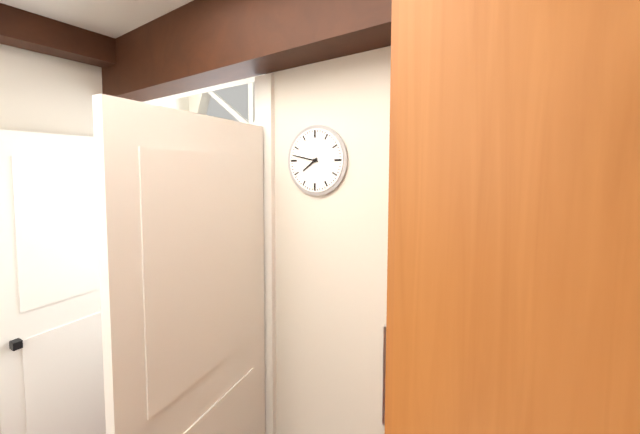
7 h 47 min
